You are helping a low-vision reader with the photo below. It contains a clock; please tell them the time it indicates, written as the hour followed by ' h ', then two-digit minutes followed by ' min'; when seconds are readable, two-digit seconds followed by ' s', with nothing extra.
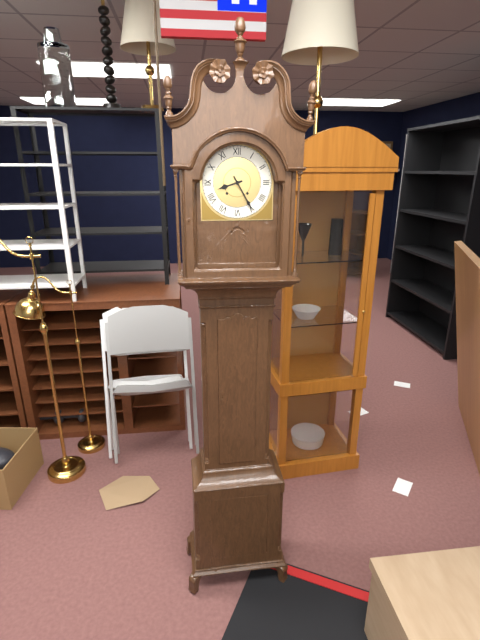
8 h 25 min
